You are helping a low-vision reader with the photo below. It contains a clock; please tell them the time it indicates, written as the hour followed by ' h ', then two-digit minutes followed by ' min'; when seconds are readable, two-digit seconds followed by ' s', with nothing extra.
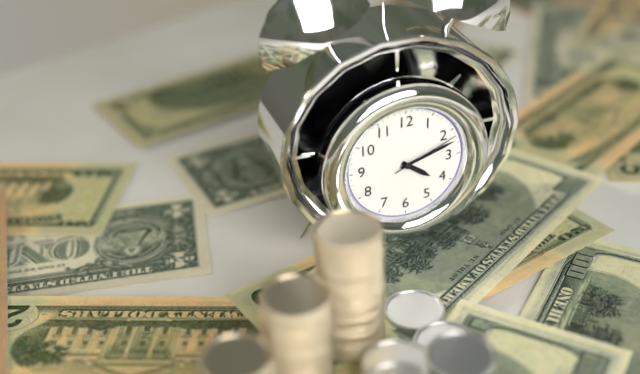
4 h 12 min 11 s
